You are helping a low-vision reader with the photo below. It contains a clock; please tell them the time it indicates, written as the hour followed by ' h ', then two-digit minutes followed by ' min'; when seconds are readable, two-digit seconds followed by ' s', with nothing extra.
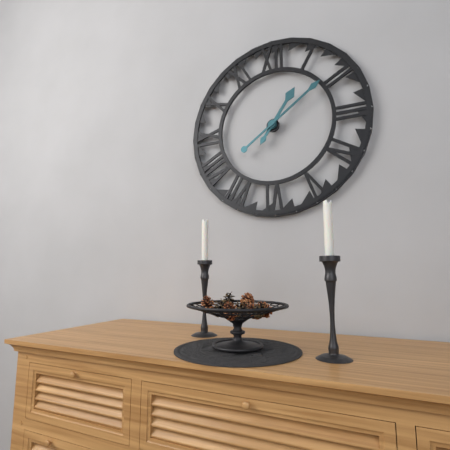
1 h 09 min
